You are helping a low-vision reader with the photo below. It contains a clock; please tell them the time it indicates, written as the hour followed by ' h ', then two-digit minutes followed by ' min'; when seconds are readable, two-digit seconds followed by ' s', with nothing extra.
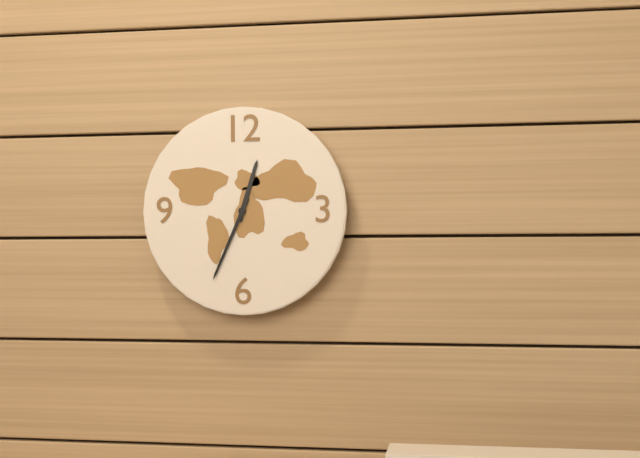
12 h 34 min
